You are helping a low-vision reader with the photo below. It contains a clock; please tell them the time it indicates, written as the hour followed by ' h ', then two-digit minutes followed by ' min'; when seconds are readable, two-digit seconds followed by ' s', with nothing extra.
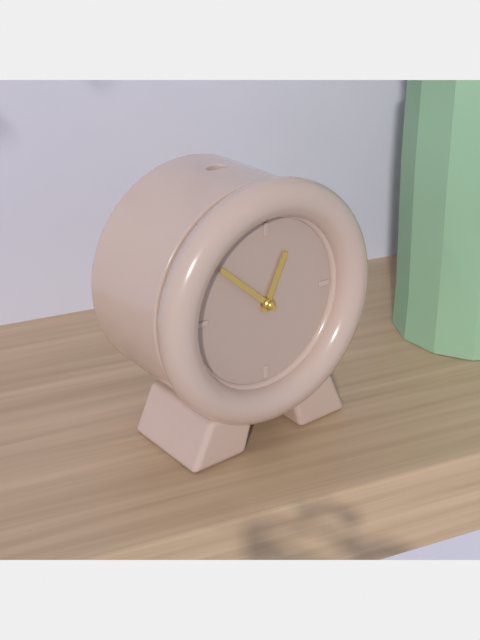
12 h 52 min
